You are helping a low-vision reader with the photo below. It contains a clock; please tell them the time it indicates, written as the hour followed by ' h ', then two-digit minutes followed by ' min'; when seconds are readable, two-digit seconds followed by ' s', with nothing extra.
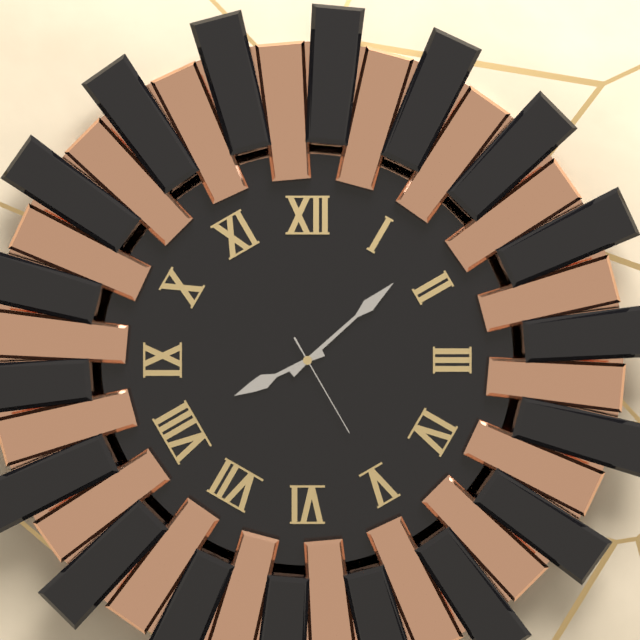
8 h 08 min 25 s
